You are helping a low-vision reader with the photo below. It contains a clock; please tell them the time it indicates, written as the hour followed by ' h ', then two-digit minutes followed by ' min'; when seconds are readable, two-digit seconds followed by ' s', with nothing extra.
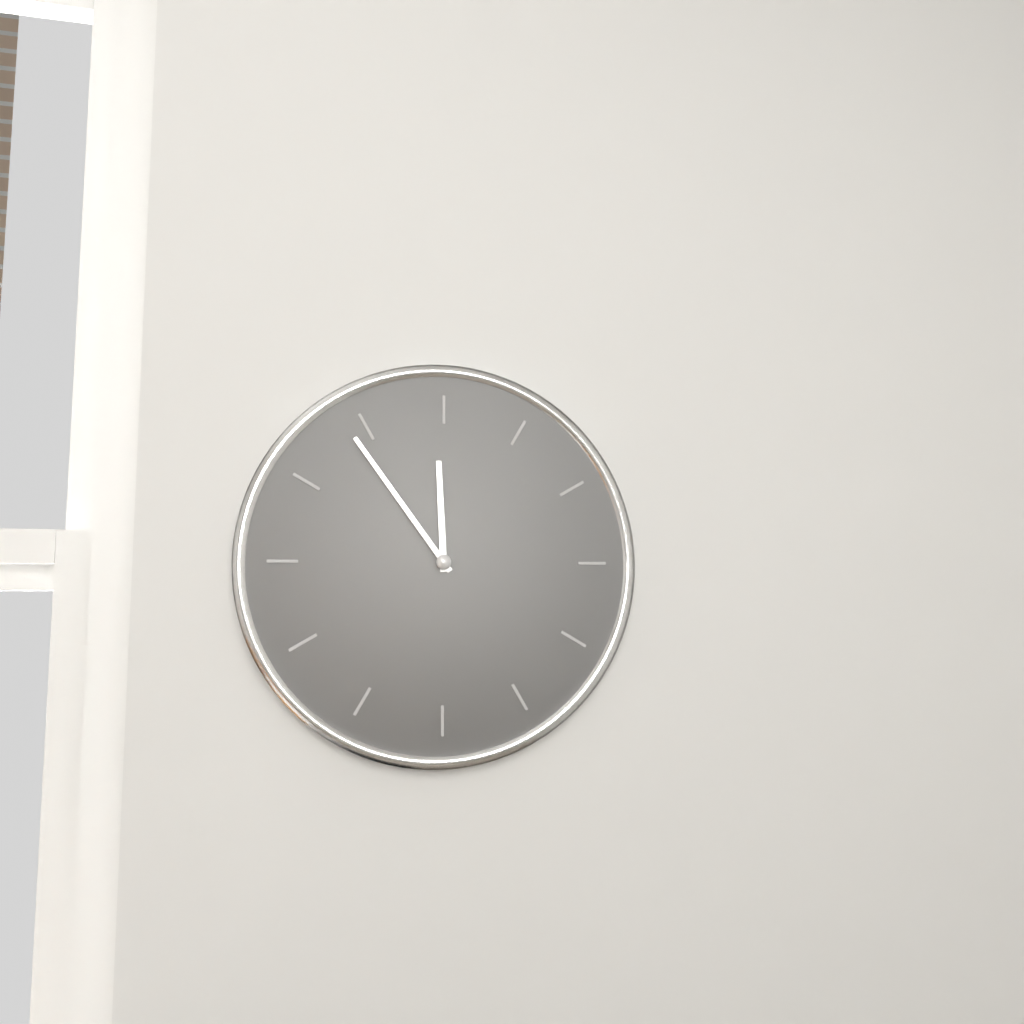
11 h 54 min
